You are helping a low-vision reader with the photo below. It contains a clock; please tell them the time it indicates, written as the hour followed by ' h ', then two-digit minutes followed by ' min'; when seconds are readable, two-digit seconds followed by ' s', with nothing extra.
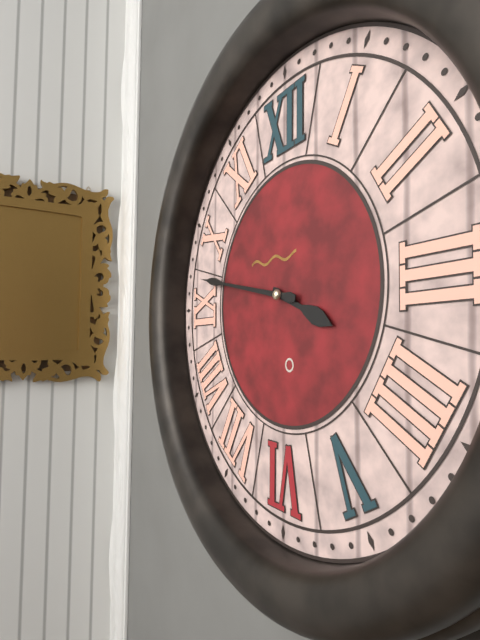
3 h 47 min
